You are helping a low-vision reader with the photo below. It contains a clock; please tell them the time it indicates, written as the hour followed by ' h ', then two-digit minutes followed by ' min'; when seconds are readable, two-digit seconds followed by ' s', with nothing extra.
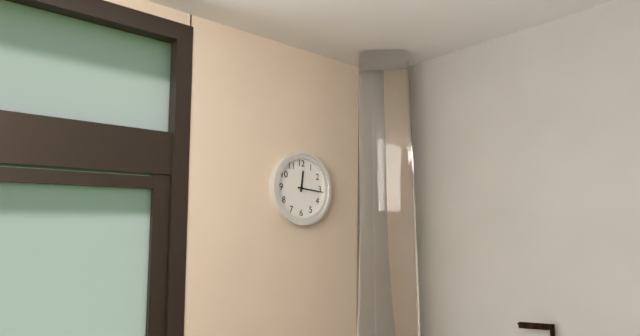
12 h 16 min
